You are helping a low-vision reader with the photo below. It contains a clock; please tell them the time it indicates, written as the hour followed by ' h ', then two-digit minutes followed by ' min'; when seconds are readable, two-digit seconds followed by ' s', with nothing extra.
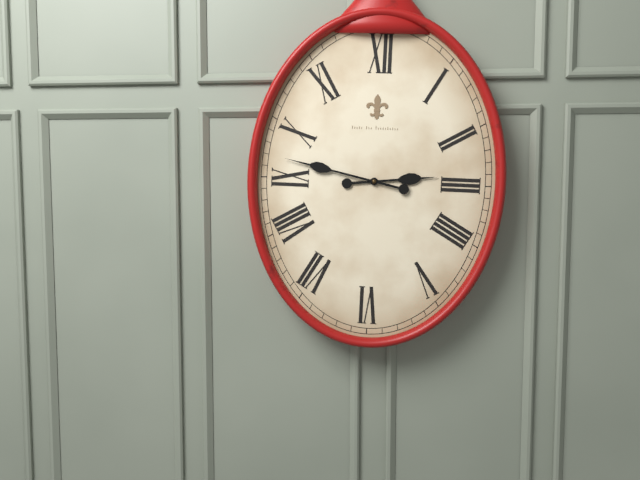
2 h 47 min
